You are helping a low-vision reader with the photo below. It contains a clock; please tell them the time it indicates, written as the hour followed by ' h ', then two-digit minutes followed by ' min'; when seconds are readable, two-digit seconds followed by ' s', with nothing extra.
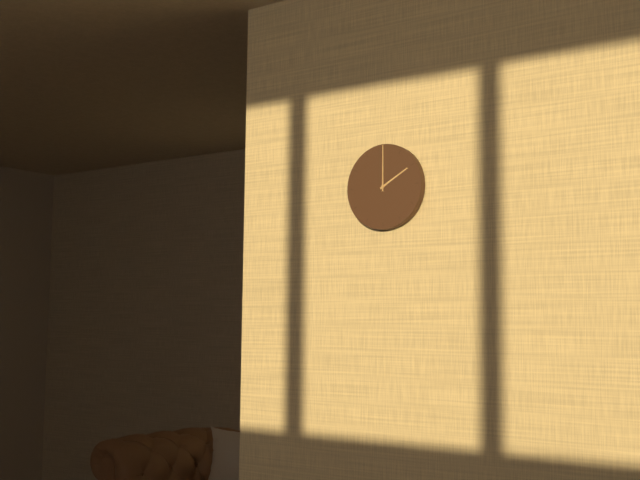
2 h 00 min
